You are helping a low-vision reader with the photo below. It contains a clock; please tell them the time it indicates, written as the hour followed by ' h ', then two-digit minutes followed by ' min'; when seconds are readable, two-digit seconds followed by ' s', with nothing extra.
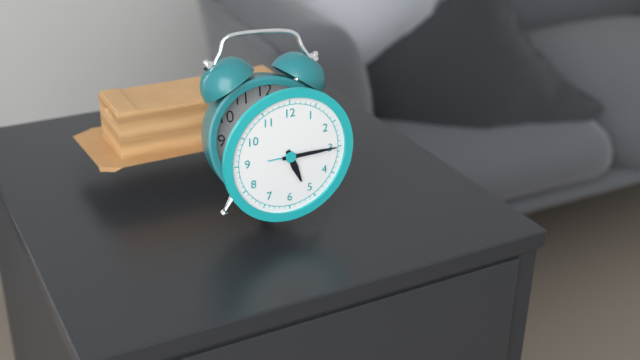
5 h 15 min
